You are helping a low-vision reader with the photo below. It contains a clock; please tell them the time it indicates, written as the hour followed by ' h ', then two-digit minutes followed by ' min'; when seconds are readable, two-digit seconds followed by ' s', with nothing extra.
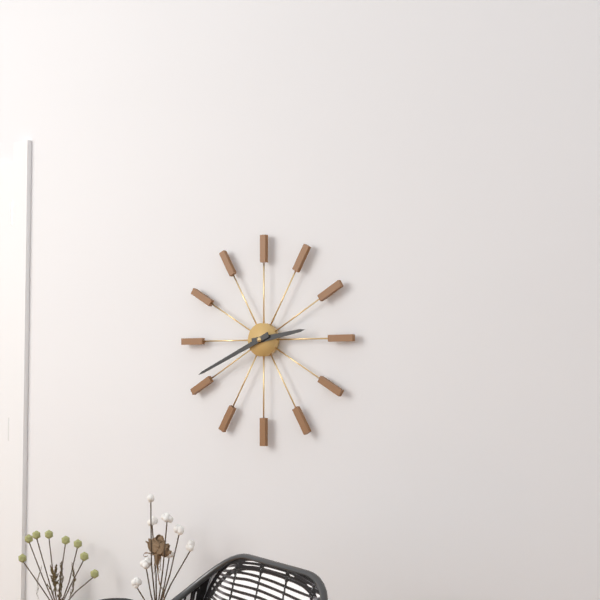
2 h 41 min
